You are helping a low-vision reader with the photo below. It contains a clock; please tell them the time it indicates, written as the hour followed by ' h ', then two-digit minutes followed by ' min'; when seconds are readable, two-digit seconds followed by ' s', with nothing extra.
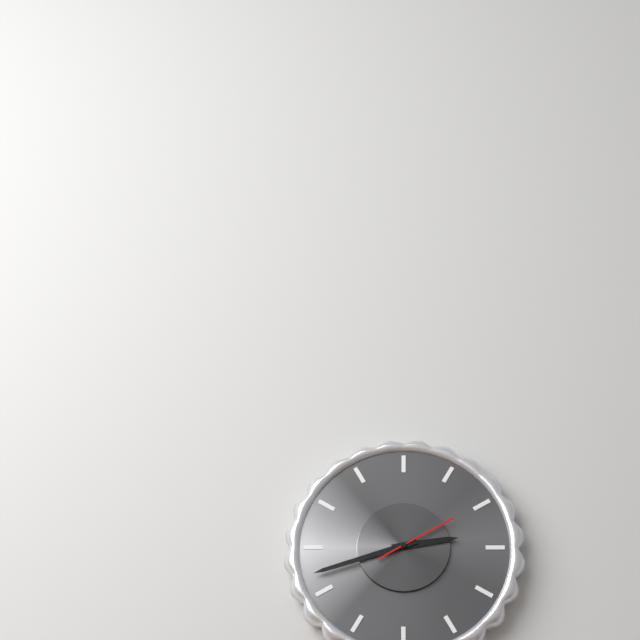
2 h 42 min 10 s
